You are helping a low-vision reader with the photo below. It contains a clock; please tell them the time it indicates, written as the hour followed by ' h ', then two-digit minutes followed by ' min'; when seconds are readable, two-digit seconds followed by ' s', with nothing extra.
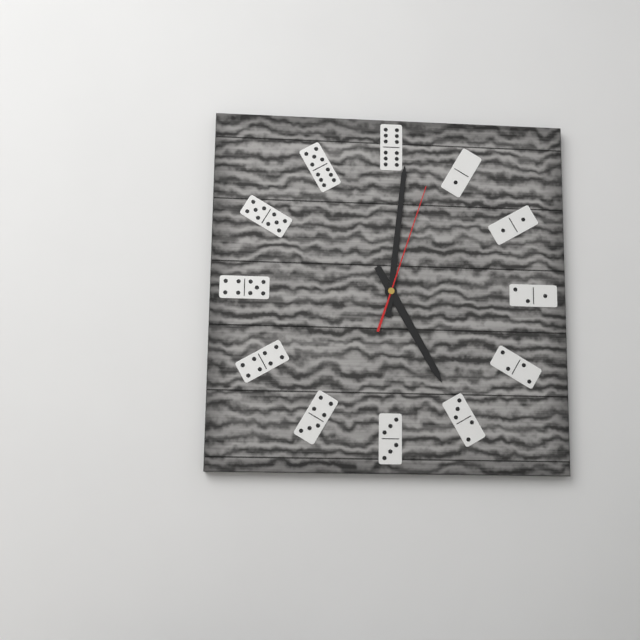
5 h 01 min 03 s
